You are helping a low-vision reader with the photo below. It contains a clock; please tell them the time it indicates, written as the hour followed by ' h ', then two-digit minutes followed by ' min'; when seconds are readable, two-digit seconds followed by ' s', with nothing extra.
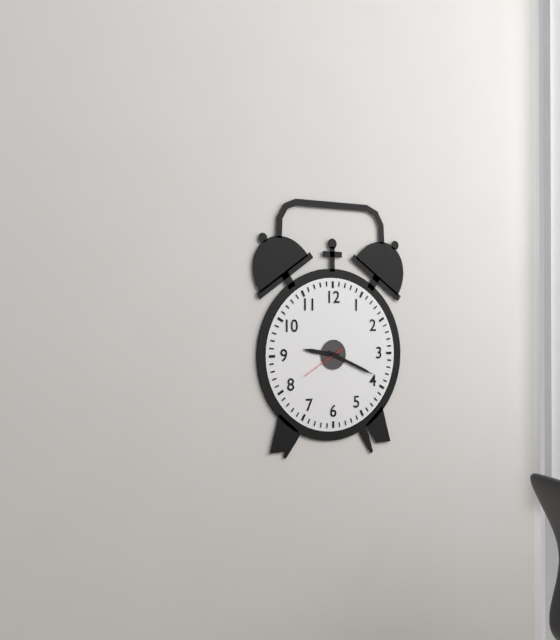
9 h 19 min
